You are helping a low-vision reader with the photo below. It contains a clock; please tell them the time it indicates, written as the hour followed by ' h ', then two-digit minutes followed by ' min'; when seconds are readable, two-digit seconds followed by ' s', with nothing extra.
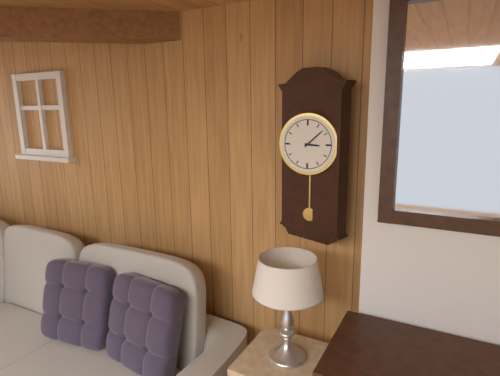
3 h 08 min
